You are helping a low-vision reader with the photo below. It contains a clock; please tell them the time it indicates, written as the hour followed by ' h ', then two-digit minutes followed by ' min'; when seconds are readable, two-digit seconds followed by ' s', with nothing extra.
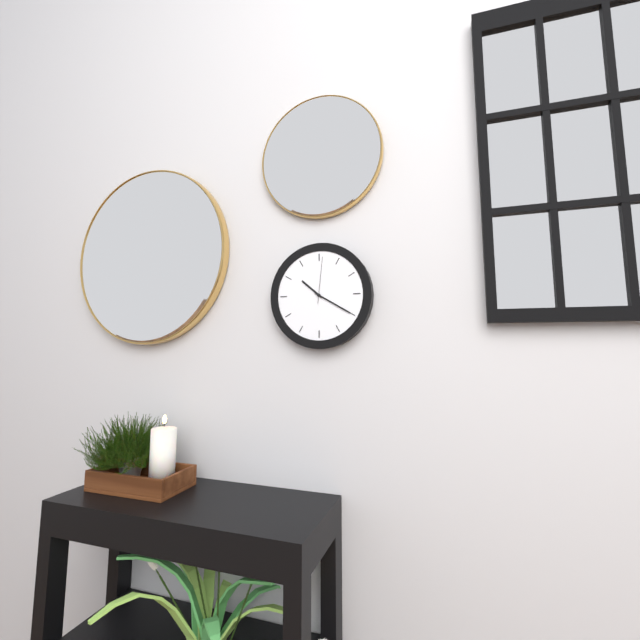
10 h 20 min
